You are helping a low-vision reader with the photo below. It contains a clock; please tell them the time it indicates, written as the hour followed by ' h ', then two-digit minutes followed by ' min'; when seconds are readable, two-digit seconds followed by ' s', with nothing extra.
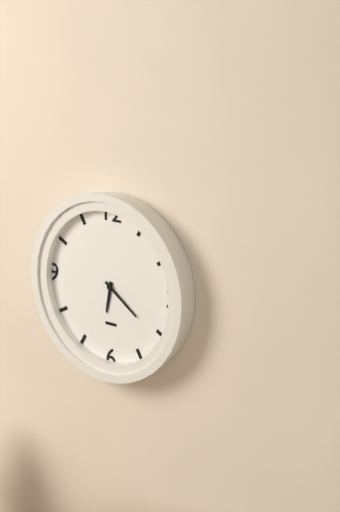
6 h 21 min
